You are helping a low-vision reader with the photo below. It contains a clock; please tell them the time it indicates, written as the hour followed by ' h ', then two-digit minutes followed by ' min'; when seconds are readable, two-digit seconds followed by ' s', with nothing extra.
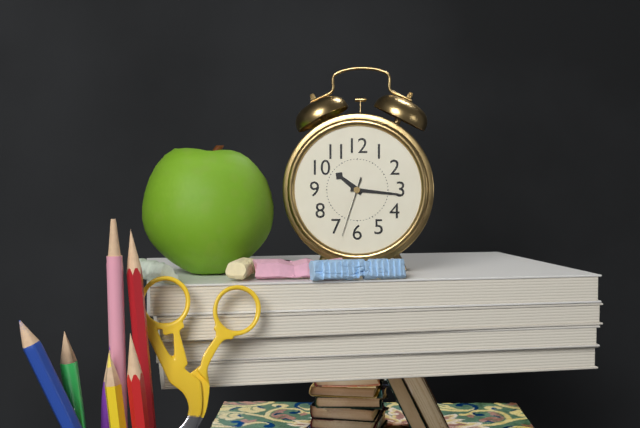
10 h 16 min 33 s
